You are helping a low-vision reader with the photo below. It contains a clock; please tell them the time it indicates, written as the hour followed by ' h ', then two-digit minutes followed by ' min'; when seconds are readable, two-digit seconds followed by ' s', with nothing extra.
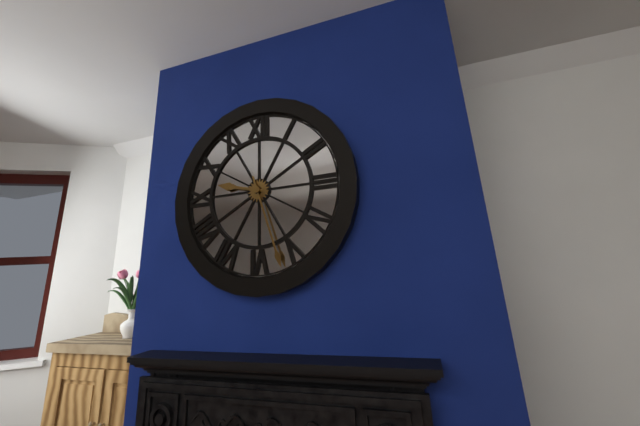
9 h 27 min
